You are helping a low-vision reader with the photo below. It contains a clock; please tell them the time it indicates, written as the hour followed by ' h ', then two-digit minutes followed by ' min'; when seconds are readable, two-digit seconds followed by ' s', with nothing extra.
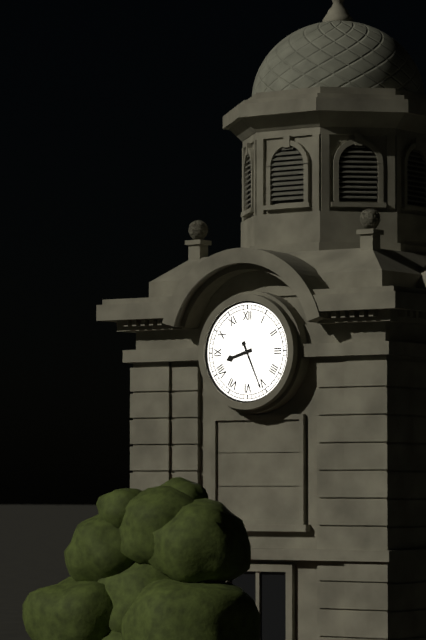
8 h 26 min
